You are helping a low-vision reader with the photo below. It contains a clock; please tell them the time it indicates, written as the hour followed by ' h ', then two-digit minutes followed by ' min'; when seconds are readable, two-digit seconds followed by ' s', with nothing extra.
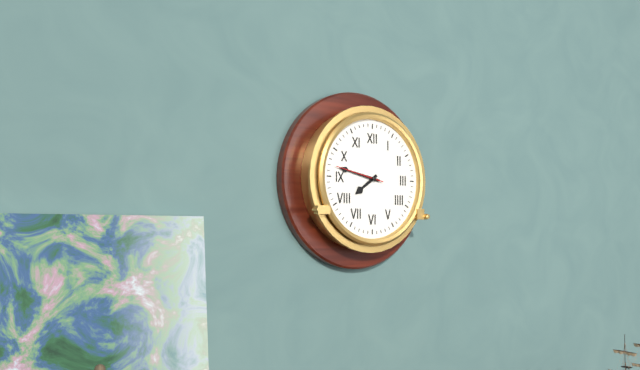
7 h 47 min
